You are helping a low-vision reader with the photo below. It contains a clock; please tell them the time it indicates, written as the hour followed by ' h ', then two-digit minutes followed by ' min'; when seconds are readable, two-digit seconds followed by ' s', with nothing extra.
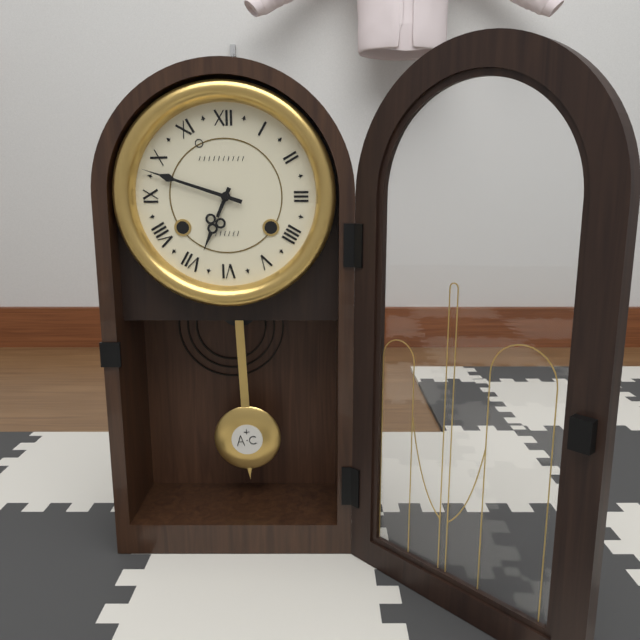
6 h 48 min
